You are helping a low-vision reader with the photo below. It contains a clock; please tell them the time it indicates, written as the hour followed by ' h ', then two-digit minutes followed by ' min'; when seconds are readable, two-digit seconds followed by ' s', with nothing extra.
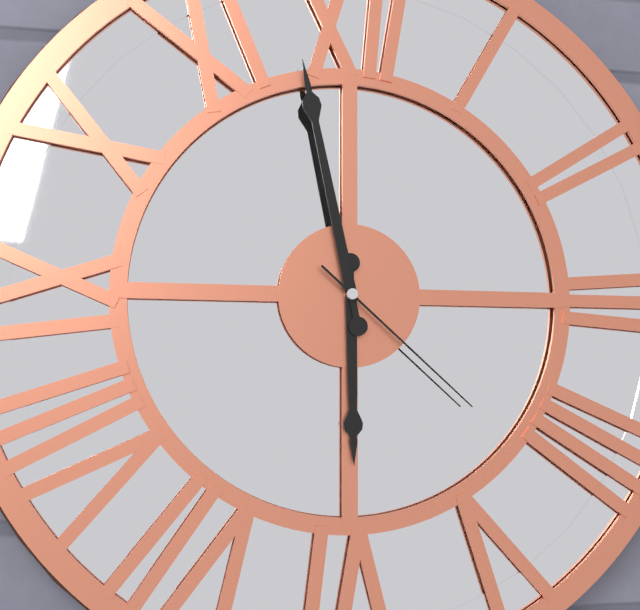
5 h 58 min 22 s
